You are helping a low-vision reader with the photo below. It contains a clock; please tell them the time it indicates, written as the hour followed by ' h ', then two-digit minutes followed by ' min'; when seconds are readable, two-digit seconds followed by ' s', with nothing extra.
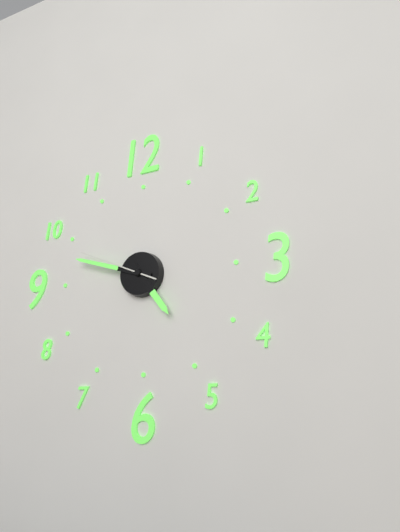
4 h 48 min 49 s
